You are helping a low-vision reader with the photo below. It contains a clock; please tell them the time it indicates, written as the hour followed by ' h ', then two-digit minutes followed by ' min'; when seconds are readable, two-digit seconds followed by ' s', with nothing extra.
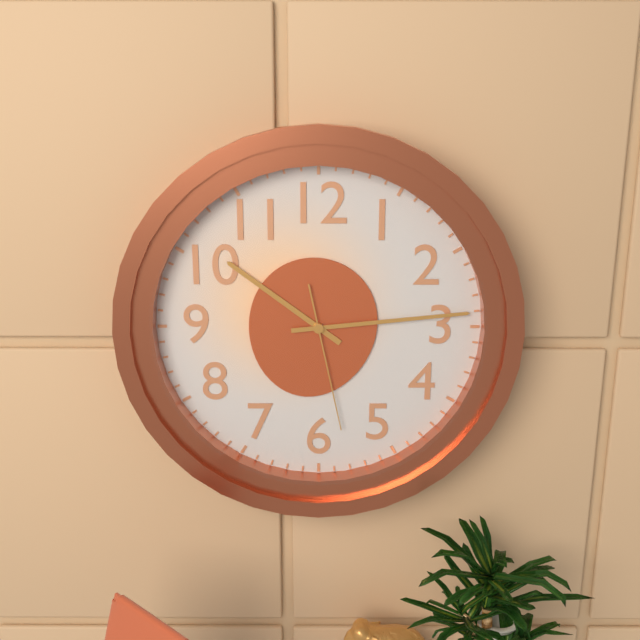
10 h 14 min 28 s
